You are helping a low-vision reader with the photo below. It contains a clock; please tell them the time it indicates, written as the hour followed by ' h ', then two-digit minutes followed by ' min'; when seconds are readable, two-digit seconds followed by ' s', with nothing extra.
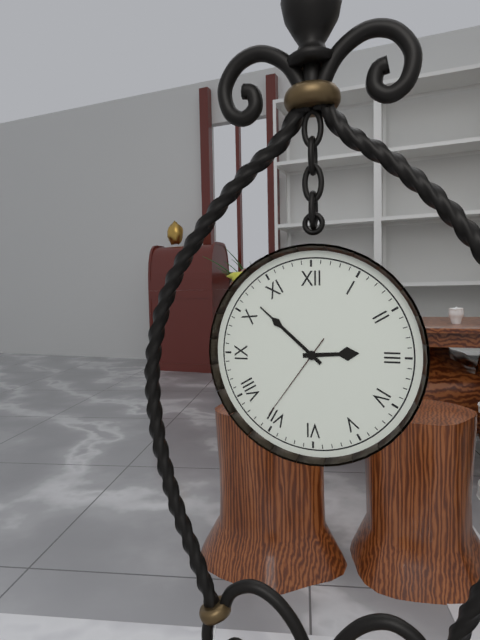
2 h 52 min 36 s
